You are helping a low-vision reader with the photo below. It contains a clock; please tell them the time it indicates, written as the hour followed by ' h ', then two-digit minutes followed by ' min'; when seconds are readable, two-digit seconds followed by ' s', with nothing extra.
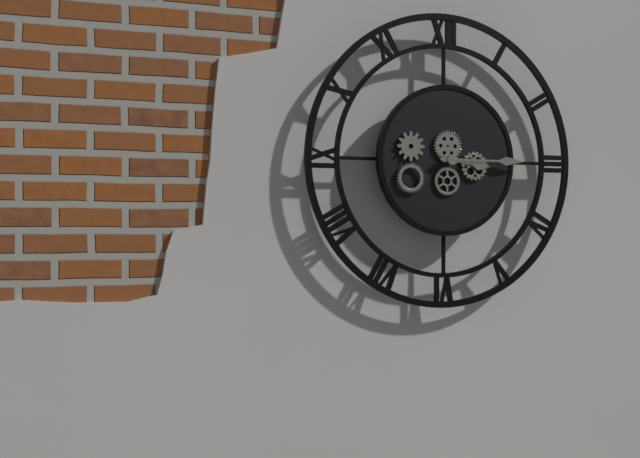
3 h 15 min
